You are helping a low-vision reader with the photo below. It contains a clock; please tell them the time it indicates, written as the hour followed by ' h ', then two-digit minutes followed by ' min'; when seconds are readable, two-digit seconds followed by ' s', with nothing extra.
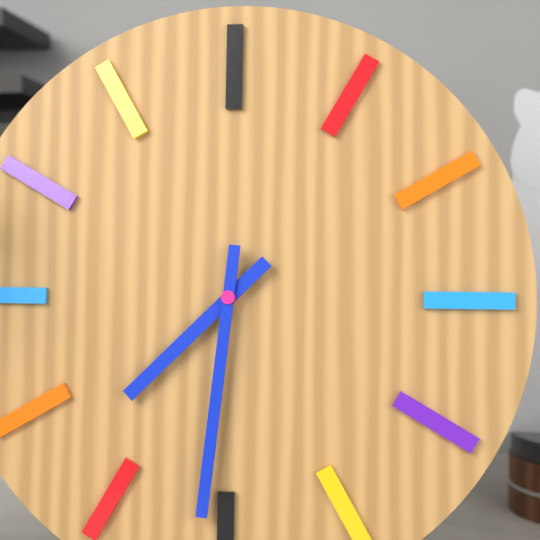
7 h 31 min
